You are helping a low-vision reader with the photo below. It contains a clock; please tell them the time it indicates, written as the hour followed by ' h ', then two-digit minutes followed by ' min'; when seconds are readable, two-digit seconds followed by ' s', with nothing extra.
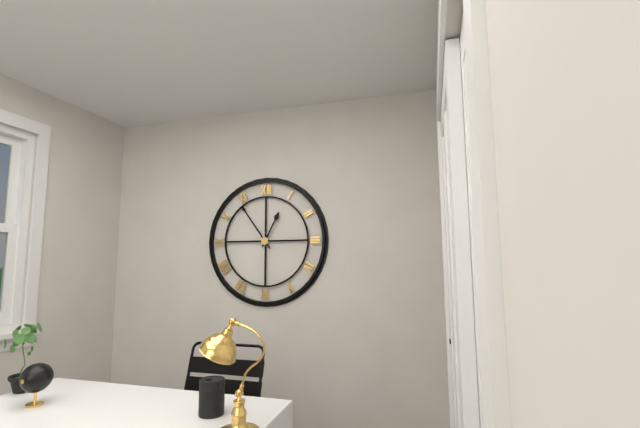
12 h 54 min
